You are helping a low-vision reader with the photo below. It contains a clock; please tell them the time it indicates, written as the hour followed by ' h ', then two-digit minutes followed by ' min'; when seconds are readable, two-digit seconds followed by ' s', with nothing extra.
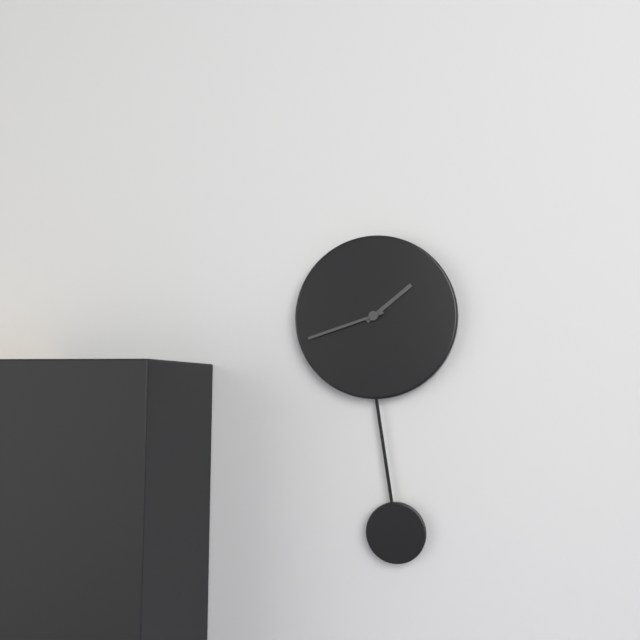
1 h 42 min
